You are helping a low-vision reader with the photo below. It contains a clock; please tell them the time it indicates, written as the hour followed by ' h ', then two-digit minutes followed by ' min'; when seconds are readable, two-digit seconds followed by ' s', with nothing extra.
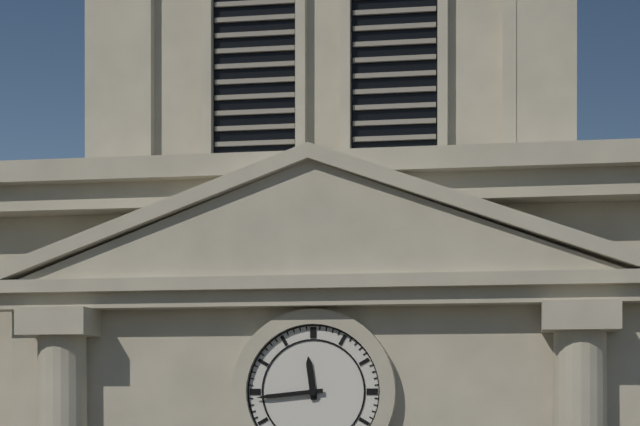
11 h 44 min
